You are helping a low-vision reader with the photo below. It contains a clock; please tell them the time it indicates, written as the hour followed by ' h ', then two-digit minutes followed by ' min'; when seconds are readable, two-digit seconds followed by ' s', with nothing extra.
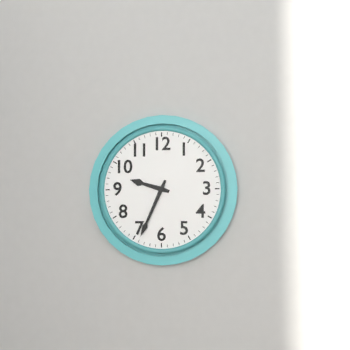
9 h 34 min
